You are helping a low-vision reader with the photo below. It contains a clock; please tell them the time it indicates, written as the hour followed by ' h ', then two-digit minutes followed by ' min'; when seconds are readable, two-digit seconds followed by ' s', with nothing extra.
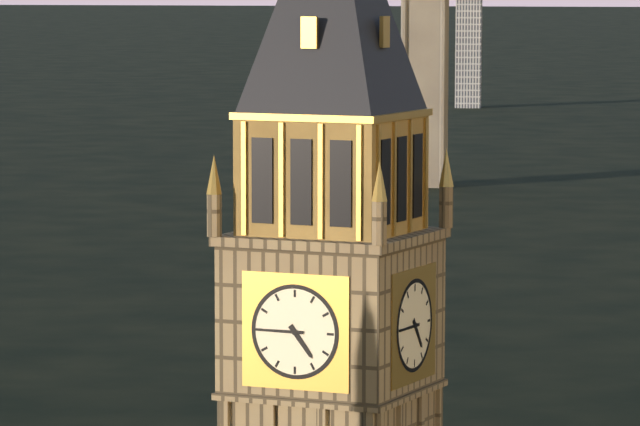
4 h 45 min
